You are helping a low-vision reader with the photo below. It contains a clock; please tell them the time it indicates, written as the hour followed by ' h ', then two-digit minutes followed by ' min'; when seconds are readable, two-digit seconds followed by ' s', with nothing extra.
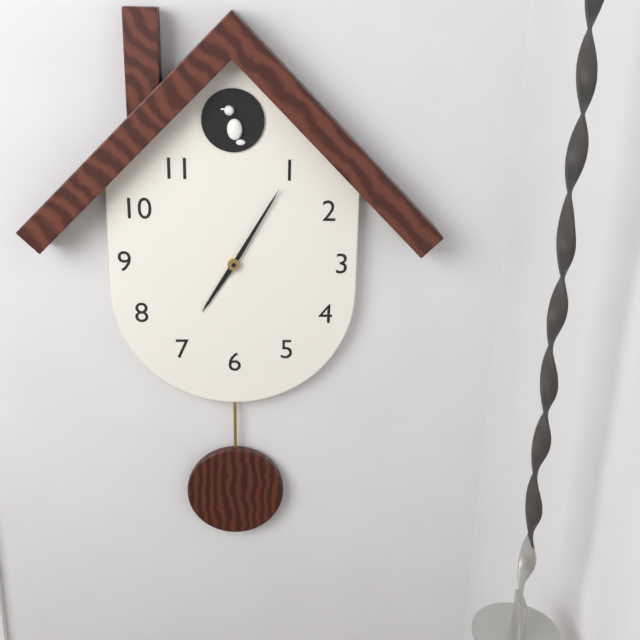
7 h 05 min
